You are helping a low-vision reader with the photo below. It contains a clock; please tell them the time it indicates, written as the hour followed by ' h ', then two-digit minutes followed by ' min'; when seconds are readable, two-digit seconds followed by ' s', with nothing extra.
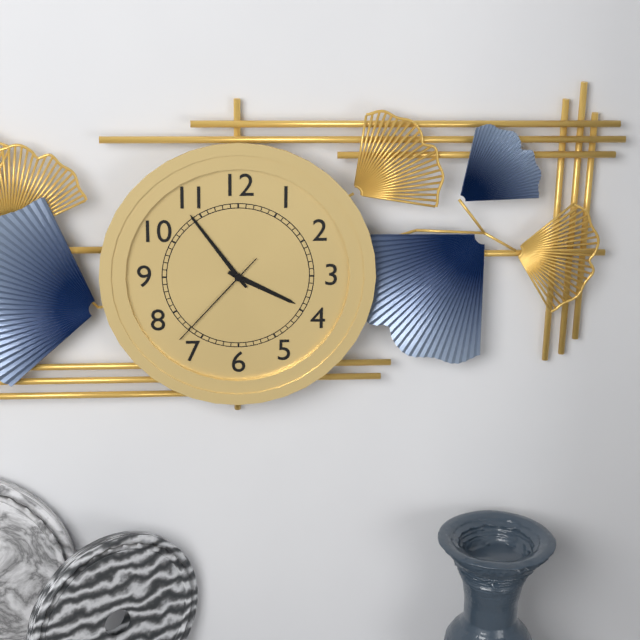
3 h 54 min 37 s
